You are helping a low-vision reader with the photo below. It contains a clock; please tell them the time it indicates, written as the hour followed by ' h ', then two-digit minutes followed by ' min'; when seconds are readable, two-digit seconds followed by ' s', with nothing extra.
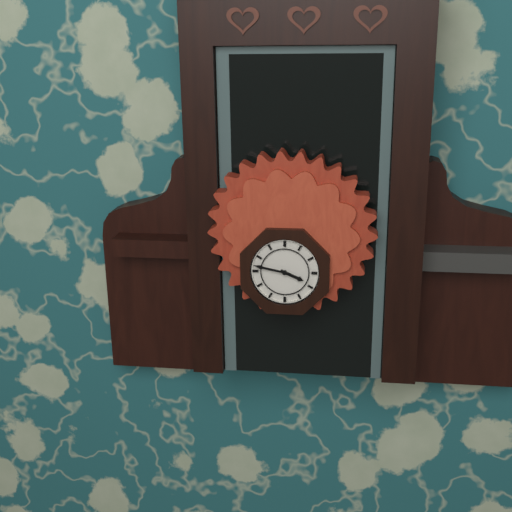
3 h 47 min
